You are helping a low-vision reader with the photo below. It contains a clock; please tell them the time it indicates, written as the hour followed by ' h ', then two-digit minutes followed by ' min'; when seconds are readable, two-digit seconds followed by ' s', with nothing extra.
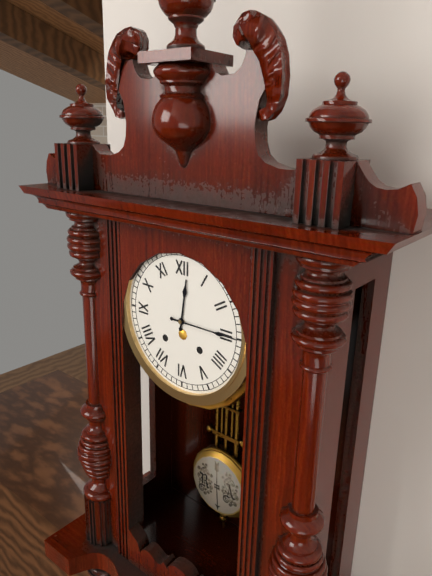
12 h 15 min
